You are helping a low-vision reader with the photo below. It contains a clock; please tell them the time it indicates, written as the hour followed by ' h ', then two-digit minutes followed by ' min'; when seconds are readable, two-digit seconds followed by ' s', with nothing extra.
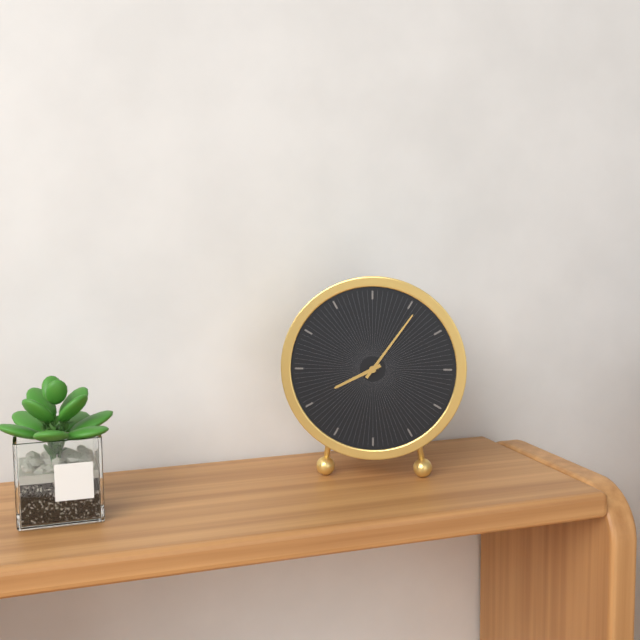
8 h 06 min
